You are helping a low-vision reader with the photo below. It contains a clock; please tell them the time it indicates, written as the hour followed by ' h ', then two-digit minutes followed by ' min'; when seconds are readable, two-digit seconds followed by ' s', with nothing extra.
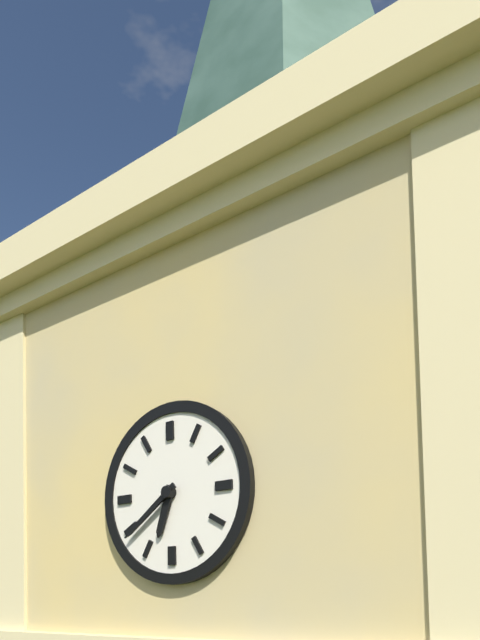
6 h 39 min
